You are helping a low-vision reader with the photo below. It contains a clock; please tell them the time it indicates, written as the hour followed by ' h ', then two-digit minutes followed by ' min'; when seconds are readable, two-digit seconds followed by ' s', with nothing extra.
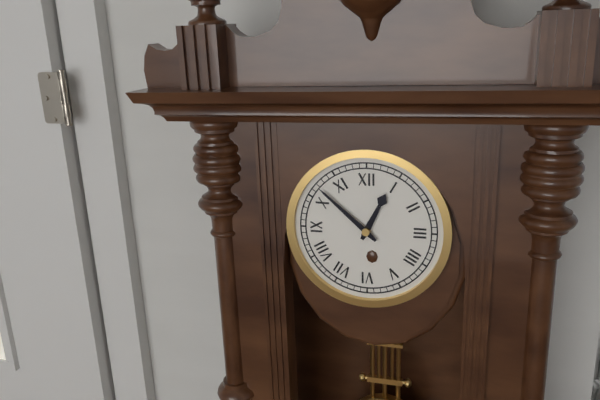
12 h 52 min
